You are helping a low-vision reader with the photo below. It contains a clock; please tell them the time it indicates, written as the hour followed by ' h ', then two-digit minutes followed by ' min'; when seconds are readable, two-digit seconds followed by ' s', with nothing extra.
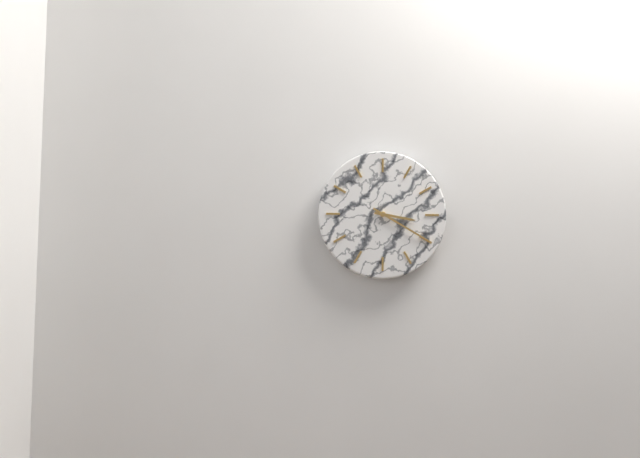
3 h 20 min
